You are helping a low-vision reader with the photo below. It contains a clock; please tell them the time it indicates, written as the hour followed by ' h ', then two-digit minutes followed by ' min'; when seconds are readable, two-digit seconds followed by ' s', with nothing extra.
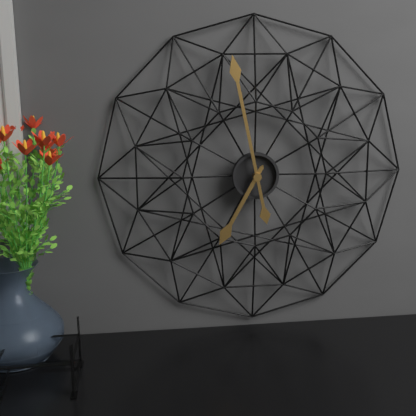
6 h 58 min
